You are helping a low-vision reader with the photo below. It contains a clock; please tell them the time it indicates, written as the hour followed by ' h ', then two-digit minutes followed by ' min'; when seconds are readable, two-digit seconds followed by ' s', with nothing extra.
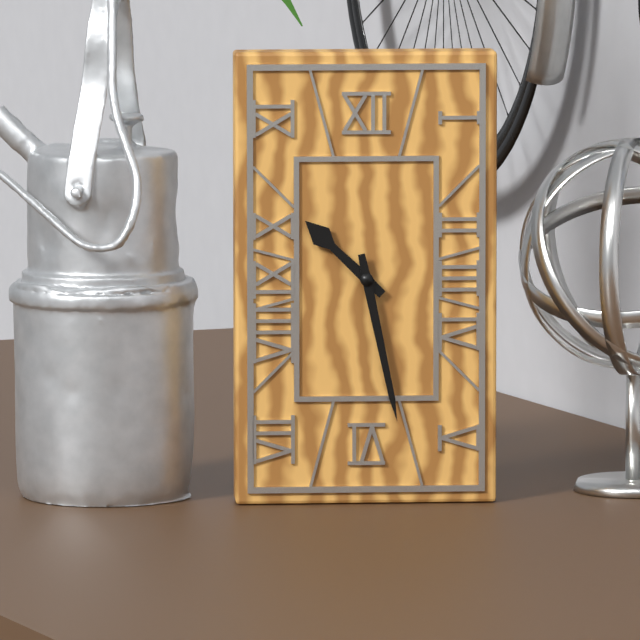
10 h 28 min
